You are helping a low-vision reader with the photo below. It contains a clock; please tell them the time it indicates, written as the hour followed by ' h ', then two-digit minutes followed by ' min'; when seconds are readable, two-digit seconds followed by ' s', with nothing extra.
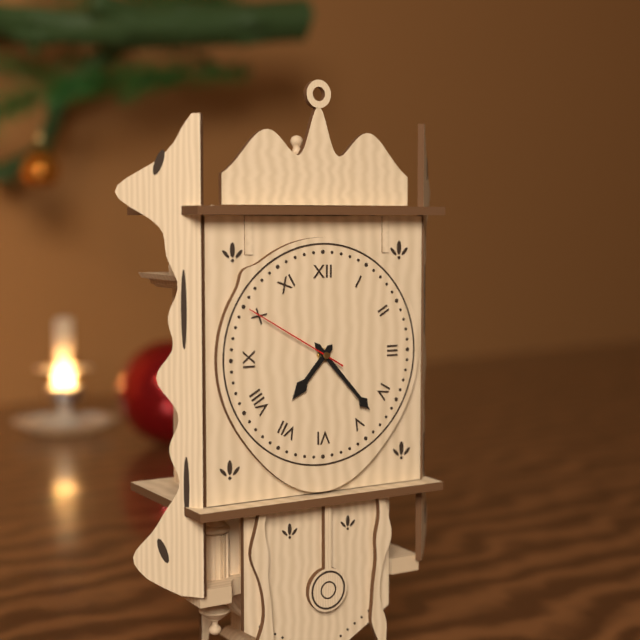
7 h 23 min 50 s
